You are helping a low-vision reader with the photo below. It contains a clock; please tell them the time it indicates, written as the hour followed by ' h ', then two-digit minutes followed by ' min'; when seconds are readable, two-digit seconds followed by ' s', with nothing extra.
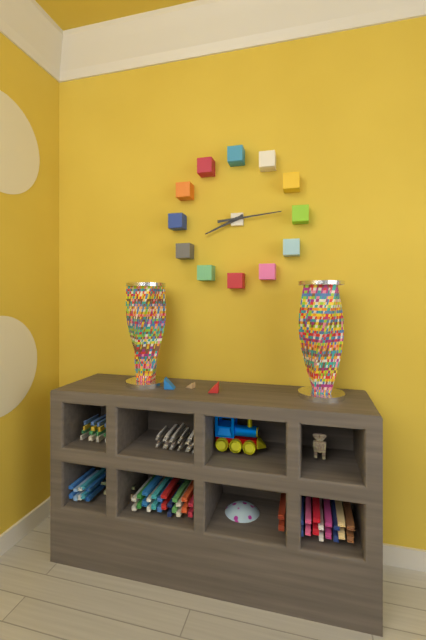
8 h 14 min
